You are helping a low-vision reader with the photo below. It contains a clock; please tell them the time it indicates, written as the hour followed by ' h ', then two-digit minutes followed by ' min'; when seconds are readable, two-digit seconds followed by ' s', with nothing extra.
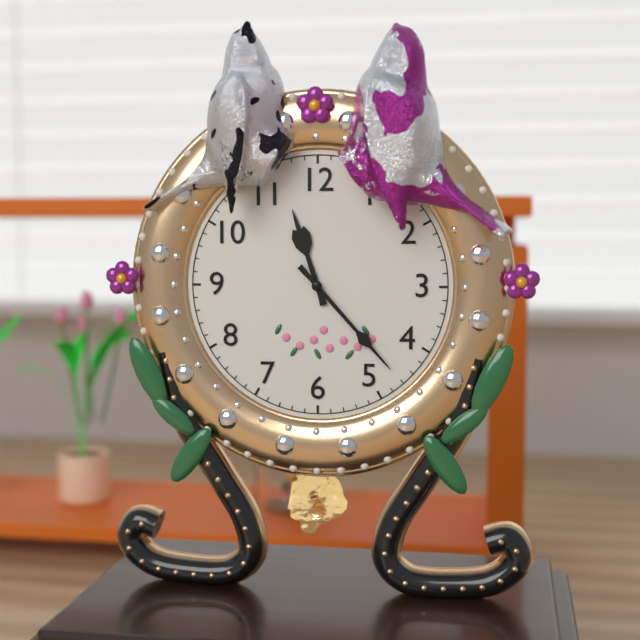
11 h 23 min
